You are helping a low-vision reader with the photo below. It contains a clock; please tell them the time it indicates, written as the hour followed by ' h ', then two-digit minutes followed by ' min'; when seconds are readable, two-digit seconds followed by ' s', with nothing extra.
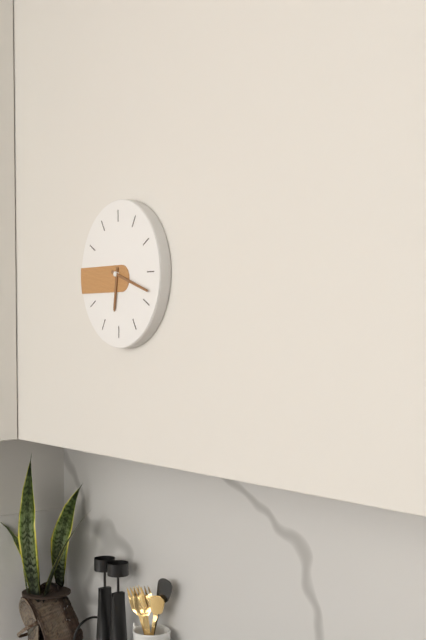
6 h 18 min
